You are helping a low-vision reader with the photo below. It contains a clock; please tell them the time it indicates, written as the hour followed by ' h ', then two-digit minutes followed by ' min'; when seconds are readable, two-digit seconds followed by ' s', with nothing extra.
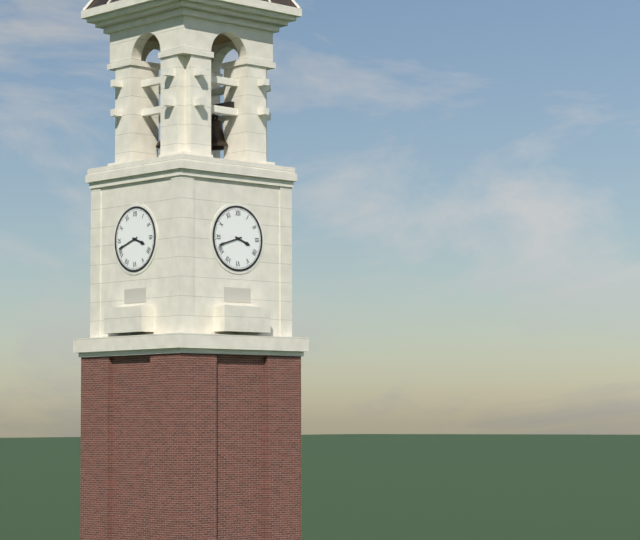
3 h 42 min
